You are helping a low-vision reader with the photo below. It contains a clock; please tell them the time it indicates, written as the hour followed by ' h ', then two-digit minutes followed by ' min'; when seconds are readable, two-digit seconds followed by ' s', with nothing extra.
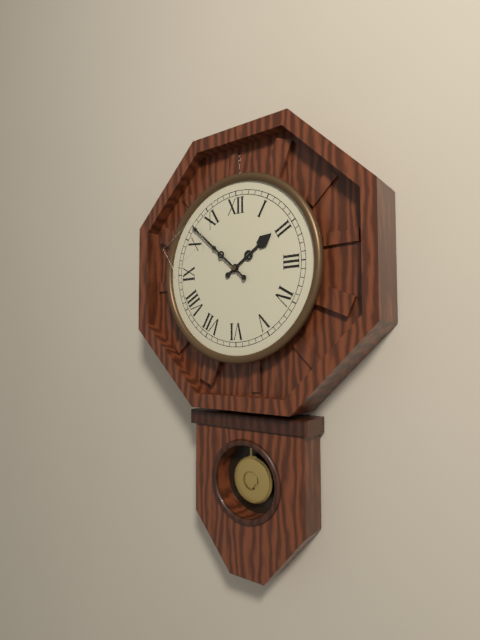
1 h 52 min
